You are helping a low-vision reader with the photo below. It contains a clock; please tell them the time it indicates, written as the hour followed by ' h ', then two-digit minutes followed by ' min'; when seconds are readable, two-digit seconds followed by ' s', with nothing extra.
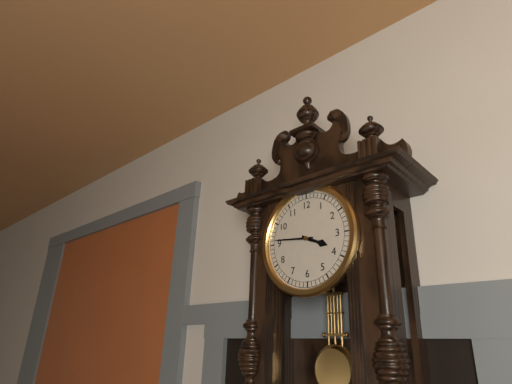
3 h 46 min
